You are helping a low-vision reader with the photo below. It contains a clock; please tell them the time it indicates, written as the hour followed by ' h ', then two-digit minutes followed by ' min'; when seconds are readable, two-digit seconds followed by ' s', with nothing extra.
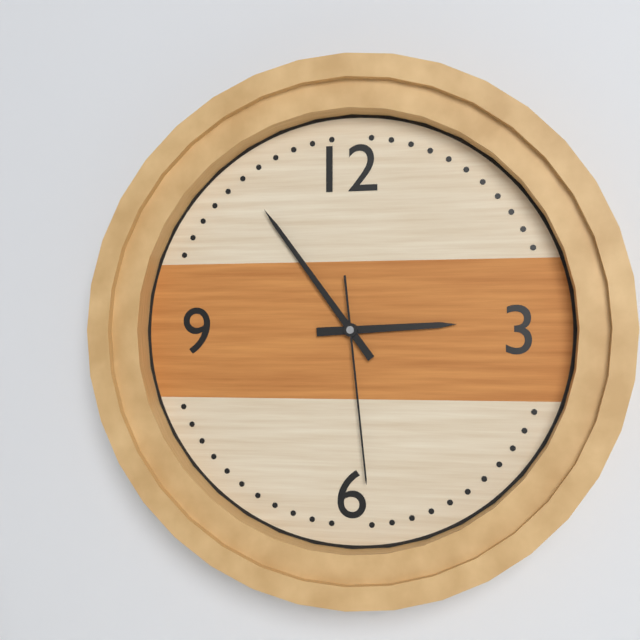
2 h 54 min 29 s
